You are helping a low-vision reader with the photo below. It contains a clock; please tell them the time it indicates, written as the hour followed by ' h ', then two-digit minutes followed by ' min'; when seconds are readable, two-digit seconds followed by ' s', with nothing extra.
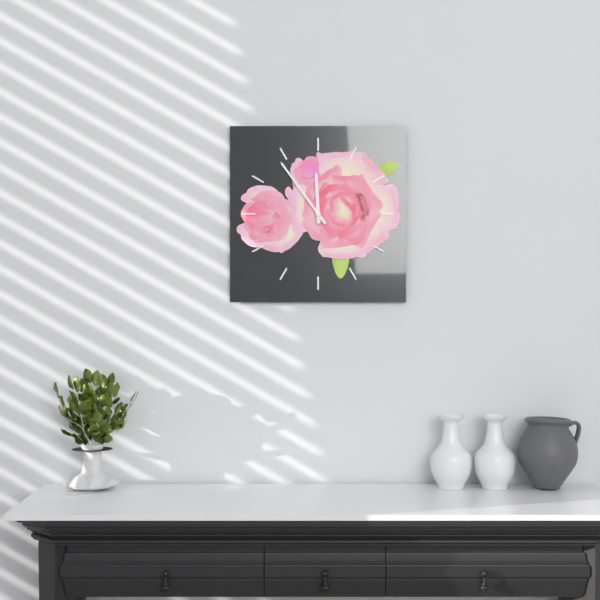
11 h 54 min
